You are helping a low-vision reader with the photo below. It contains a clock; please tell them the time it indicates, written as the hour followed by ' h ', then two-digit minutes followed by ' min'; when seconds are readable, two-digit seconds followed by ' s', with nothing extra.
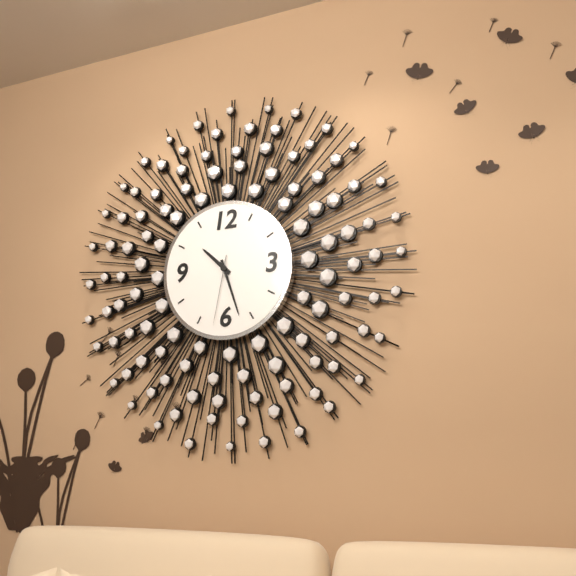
10 h 27 min 32 s
